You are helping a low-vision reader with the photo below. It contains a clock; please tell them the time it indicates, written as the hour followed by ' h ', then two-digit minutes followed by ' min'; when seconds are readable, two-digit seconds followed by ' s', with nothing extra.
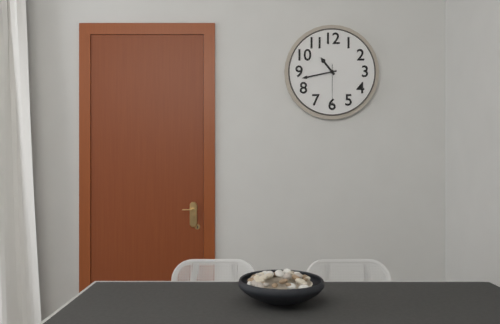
10 h 43 min
